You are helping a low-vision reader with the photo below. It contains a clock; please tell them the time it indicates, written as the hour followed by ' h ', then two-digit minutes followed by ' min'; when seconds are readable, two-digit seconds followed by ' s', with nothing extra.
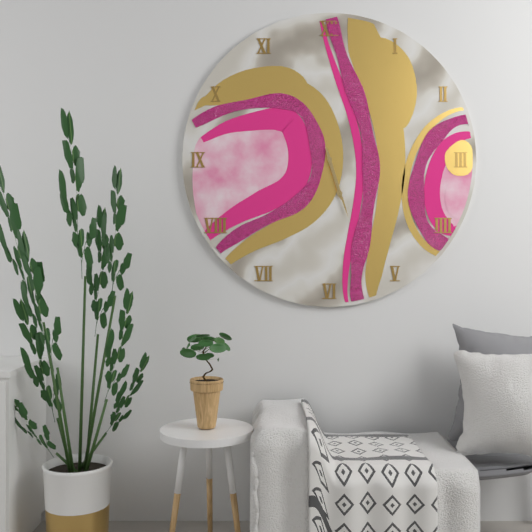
5 h 27 min
